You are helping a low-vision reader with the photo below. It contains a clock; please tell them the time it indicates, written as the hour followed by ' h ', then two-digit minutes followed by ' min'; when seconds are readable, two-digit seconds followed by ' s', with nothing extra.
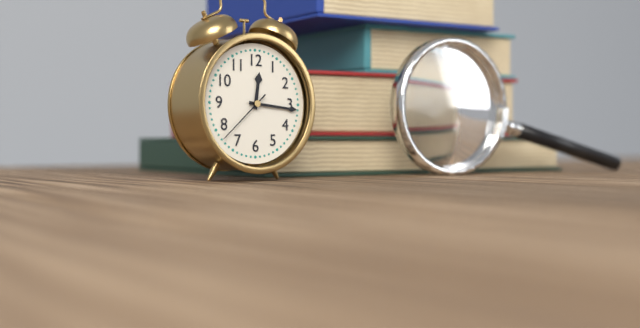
12 h 16 min 38 s
